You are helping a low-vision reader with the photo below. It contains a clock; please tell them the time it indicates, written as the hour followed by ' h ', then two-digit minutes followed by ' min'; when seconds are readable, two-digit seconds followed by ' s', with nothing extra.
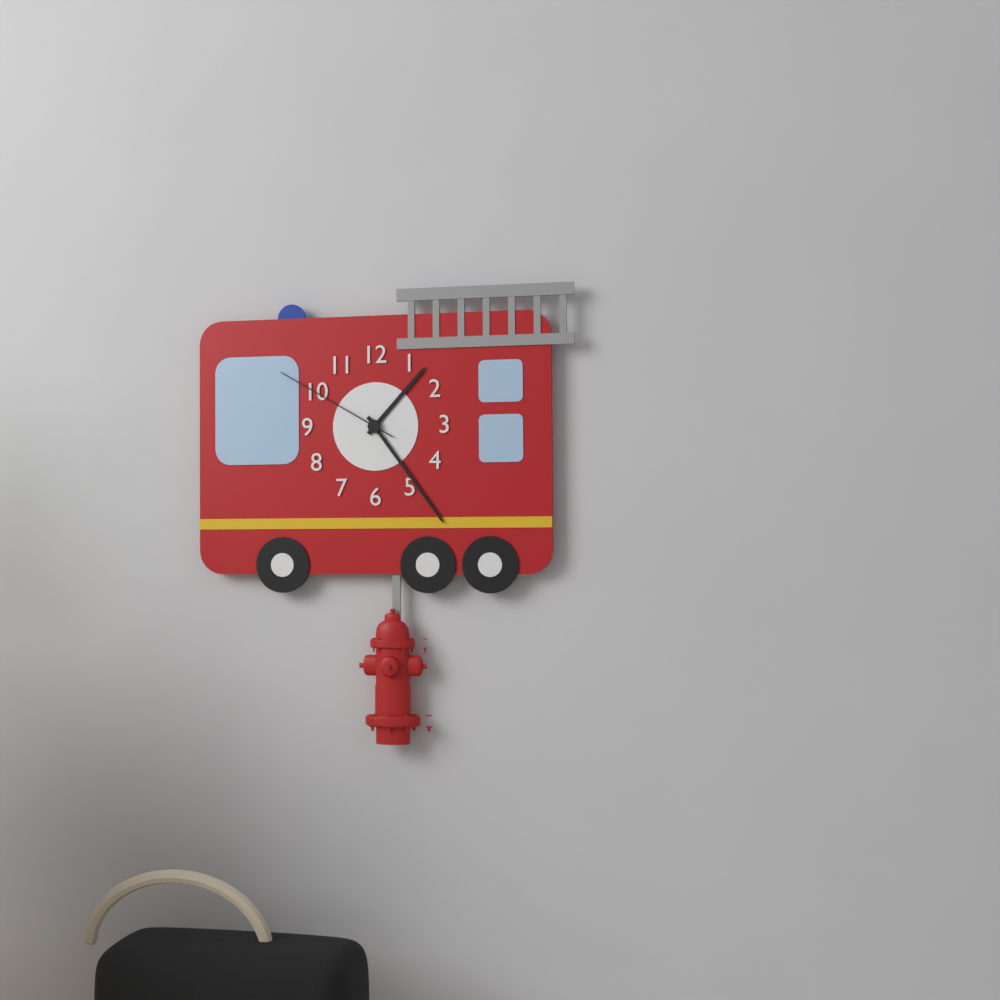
1 h 24 min 50 s
